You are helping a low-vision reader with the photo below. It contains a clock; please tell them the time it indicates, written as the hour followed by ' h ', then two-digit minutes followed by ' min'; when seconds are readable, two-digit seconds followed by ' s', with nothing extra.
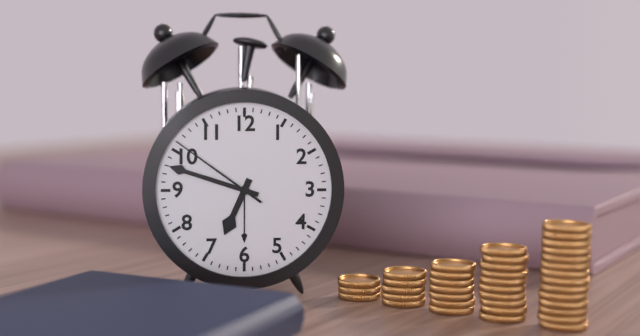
6 h 48 min 51 s
